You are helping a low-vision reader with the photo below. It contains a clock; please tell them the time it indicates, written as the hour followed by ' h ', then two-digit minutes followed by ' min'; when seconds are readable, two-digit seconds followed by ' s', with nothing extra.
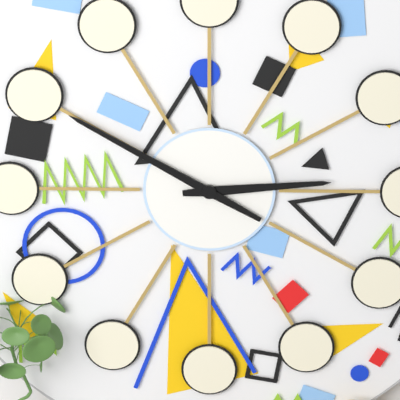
2 h 50 min
